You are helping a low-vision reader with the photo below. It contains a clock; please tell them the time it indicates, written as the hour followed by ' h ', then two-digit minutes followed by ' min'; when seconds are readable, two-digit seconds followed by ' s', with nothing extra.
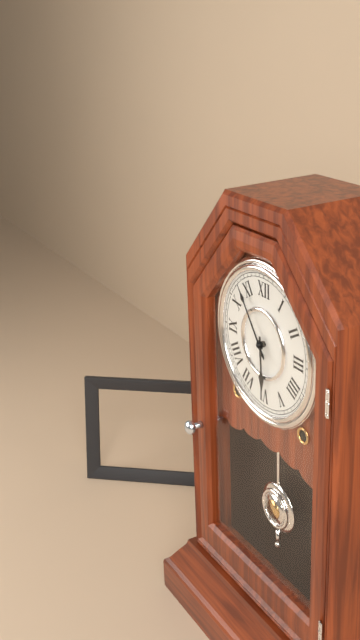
5 h 54 min
